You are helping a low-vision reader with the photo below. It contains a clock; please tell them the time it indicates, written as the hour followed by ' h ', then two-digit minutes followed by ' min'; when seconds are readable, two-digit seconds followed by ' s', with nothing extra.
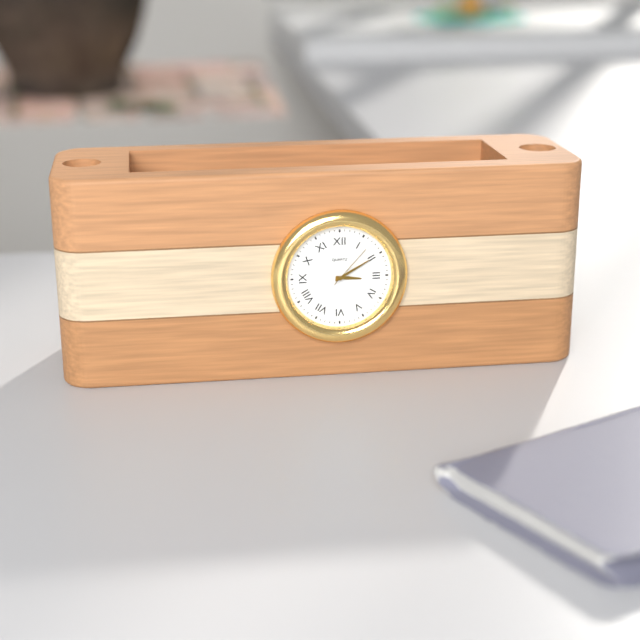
3 h 10 min
